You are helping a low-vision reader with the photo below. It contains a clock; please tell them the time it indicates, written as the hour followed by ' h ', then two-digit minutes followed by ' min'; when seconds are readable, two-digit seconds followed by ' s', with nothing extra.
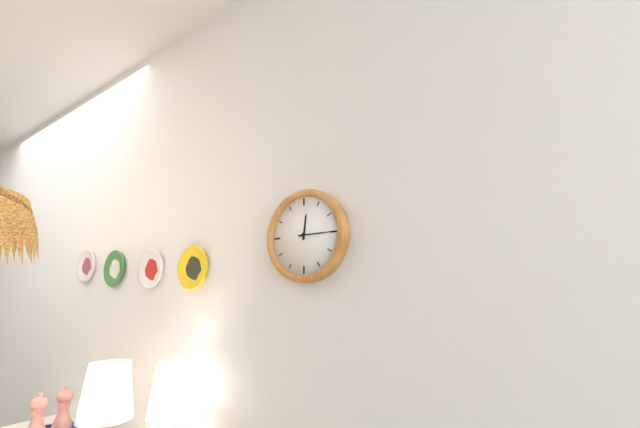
12 h 15 min
